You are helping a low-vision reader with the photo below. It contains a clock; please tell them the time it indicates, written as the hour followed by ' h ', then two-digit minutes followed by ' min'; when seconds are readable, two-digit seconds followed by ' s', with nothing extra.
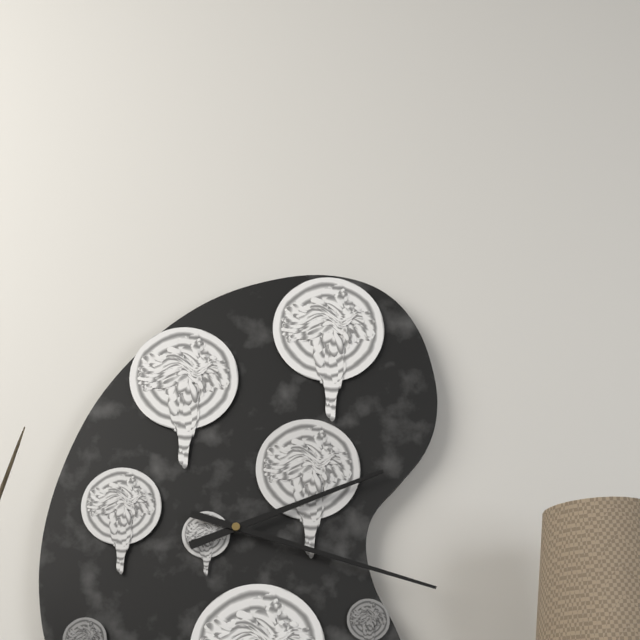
2 h 18 min
